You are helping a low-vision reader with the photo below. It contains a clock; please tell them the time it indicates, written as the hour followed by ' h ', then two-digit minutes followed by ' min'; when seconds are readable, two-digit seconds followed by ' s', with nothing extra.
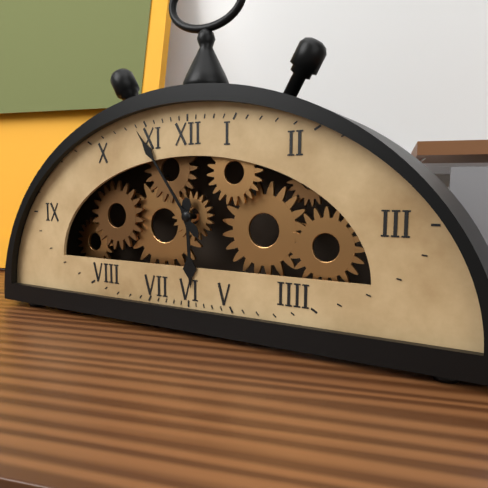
5 h 54 min
